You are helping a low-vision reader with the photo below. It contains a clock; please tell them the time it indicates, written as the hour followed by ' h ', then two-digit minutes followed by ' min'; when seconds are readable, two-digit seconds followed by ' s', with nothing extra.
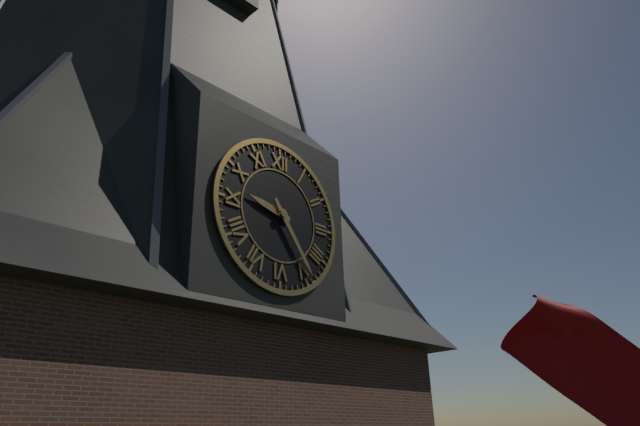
9 h 24 min
